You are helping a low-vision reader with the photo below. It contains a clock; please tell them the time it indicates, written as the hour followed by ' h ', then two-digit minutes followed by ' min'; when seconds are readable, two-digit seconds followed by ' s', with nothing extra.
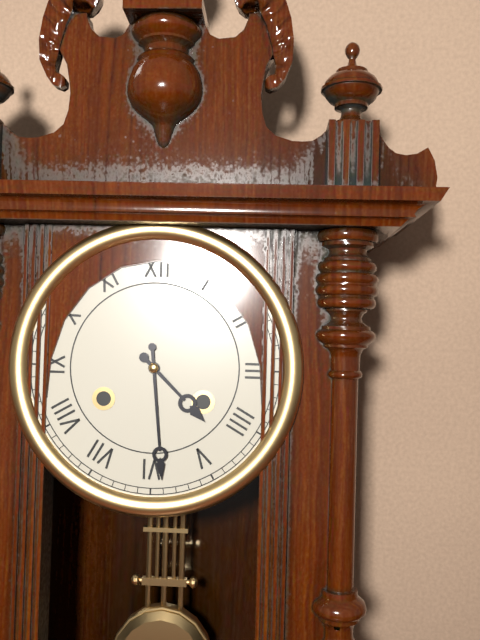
4 h 29 min
